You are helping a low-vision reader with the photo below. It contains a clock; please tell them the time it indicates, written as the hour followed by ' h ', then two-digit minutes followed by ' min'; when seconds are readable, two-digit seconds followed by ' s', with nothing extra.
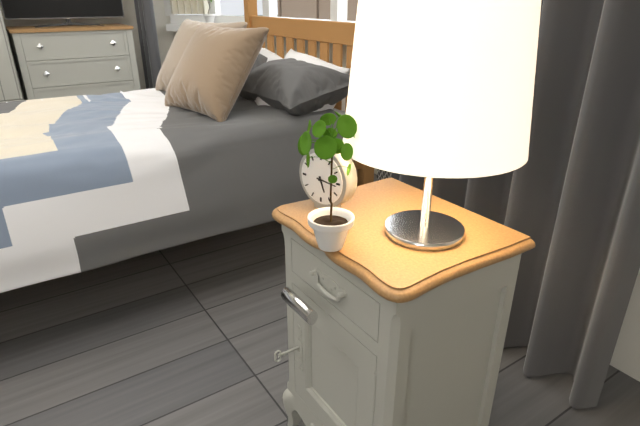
5 h 16 min
